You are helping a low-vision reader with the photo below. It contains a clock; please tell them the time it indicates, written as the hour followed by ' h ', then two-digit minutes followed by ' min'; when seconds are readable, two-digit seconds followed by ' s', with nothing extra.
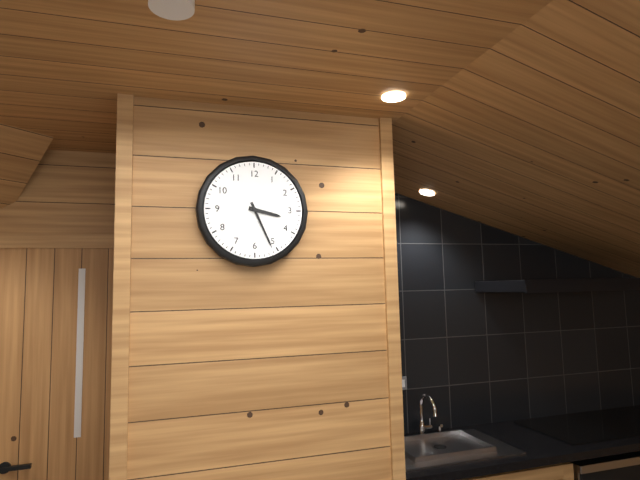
3 h 26 min
